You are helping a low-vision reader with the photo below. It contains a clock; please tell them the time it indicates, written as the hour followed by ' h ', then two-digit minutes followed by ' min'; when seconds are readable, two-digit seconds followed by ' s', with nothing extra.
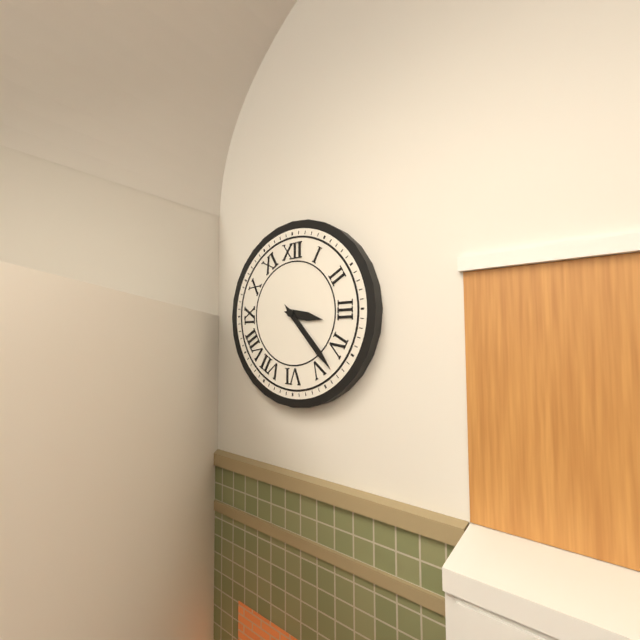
3 h 23 min
